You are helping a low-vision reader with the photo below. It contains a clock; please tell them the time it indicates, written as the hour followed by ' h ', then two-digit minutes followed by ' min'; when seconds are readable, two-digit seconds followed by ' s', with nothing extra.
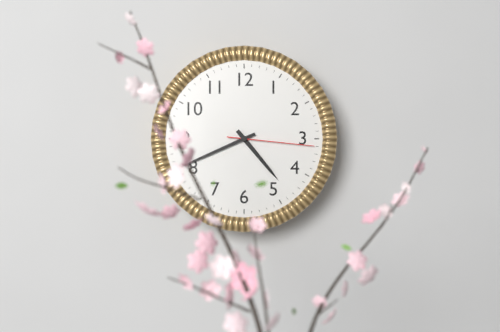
4 h 41 min 16 s
